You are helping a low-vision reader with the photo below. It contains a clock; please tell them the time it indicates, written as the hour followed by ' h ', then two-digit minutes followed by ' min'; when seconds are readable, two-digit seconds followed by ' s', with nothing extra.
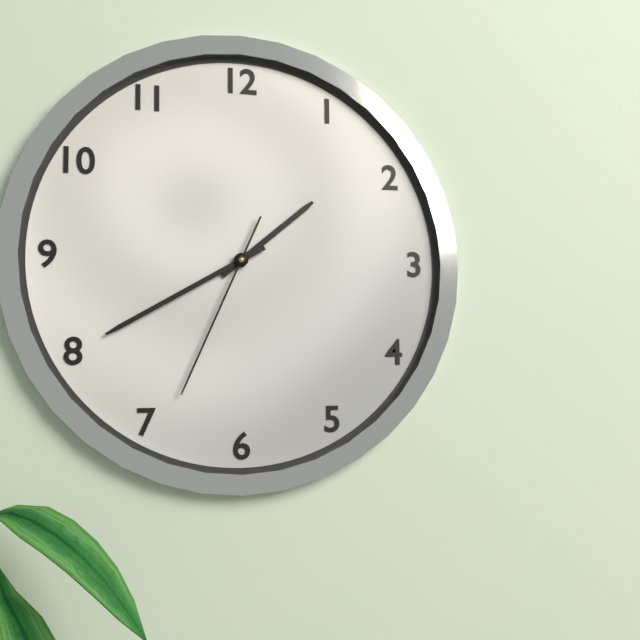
1 h 40 min 34 s
